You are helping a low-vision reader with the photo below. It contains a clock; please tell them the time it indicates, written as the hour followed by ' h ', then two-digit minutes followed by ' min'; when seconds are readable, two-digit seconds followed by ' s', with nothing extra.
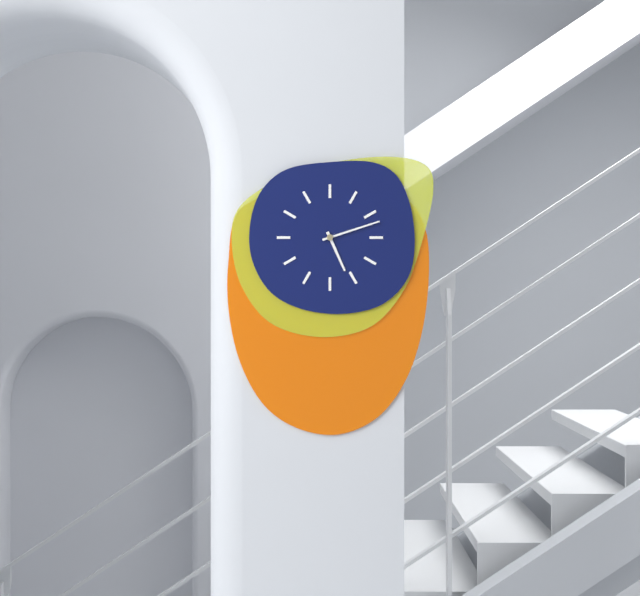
5 h 12 min
